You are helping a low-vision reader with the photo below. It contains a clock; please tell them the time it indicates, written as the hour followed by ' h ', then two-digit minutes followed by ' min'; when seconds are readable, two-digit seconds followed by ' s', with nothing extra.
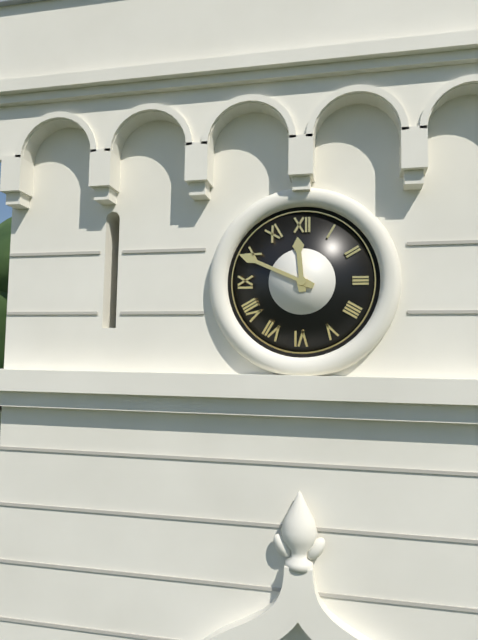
11 h 49 min
